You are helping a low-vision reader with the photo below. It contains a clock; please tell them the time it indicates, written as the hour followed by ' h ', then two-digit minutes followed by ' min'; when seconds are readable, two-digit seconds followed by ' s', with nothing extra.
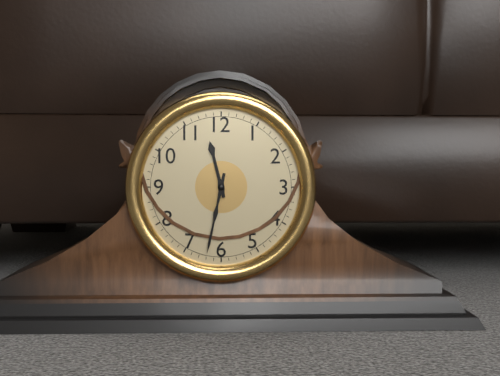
11 h 32 min
